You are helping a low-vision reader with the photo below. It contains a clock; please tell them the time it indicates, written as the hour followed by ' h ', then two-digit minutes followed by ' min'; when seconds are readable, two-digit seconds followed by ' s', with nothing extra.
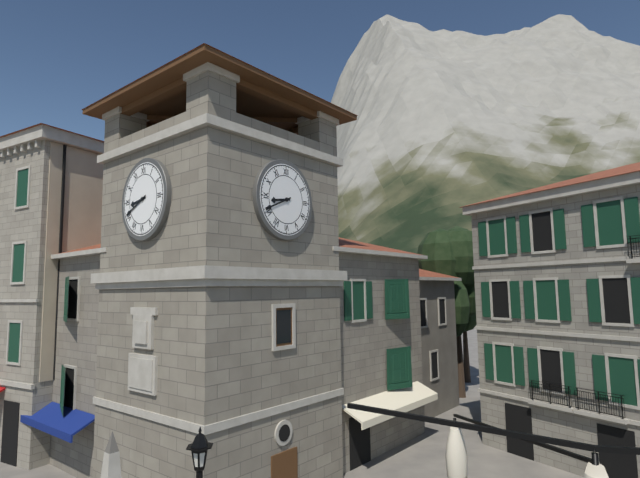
8 h 41 min
